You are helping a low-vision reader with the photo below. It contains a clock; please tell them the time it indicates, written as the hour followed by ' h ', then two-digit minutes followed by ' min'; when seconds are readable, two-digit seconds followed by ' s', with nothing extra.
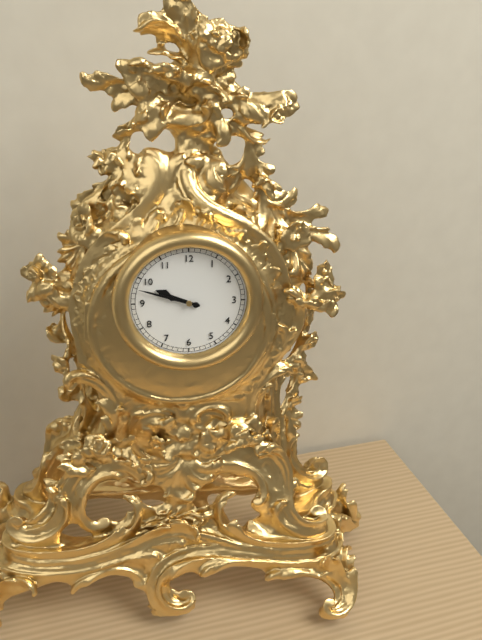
9 h 48 min
